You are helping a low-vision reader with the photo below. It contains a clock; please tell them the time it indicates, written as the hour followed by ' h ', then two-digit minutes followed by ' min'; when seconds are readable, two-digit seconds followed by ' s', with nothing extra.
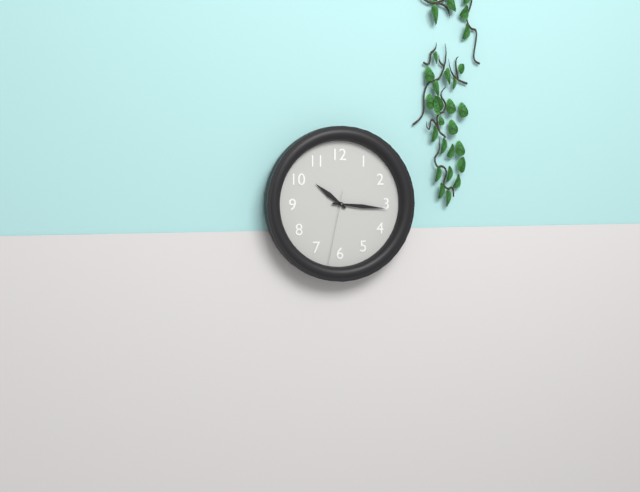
10 h 16 min 32 s
